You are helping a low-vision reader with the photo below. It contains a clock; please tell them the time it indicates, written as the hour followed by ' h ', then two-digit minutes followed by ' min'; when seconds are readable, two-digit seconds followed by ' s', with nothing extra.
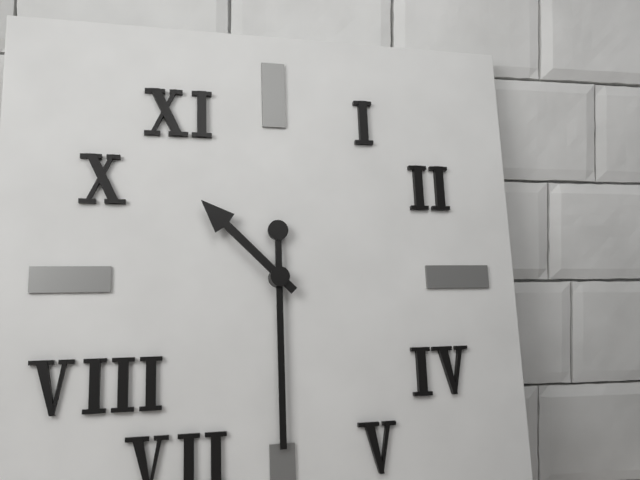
10 h 30 min
